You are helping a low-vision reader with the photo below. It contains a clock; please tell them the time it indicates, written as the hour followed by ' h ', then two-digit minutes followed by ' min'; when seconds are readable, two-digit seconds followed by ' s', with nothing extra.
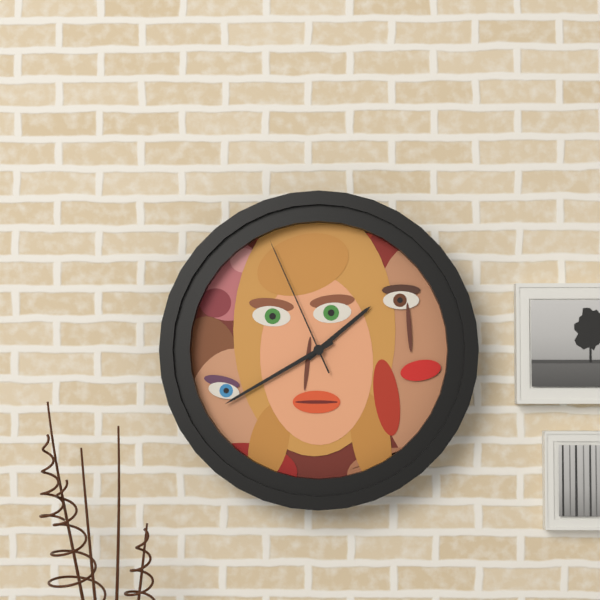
1 h 40 min 56 s
